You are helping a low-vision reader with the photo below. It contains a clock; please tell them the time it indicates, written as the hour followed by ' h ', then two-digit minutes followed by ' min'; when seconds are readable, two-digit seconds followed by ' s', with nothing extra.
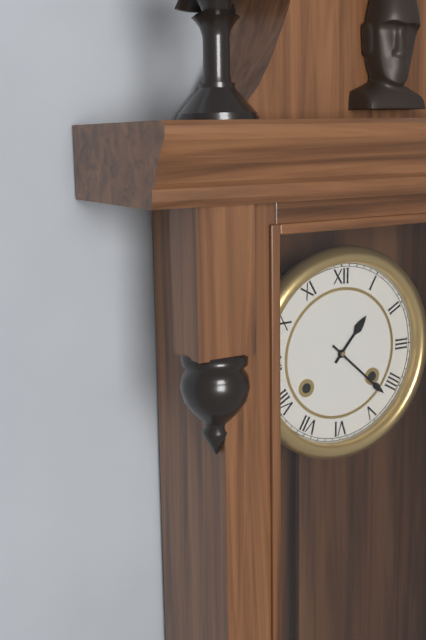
1 h 22 min
